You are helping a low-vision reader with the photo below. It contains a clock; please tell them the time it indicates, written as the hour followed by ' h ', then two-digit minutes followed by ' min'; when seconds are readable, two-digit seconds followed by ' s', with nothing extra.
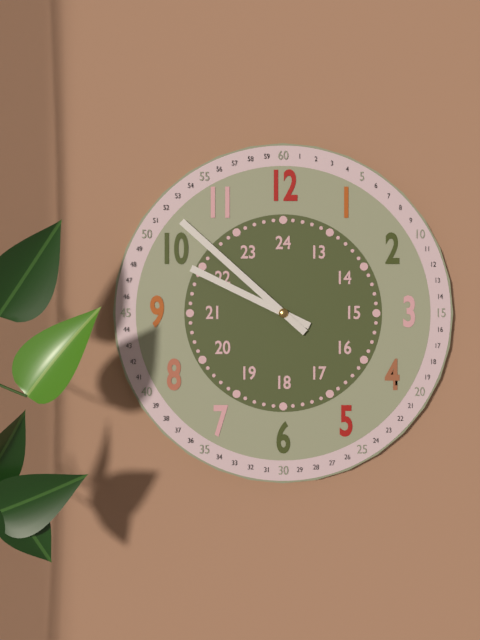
9 h 52 min
